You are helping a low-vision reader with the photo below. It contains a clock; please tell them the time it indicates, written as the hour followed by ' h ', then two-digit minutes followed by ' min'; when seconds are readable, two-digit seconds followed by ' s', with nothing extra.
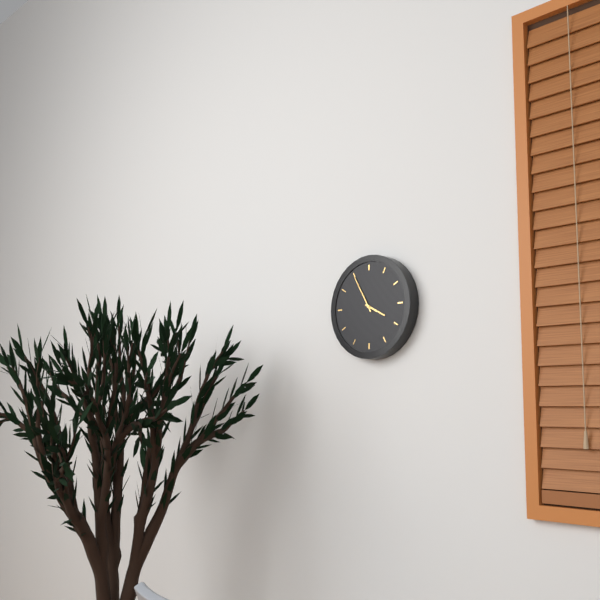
3 h 55 min
